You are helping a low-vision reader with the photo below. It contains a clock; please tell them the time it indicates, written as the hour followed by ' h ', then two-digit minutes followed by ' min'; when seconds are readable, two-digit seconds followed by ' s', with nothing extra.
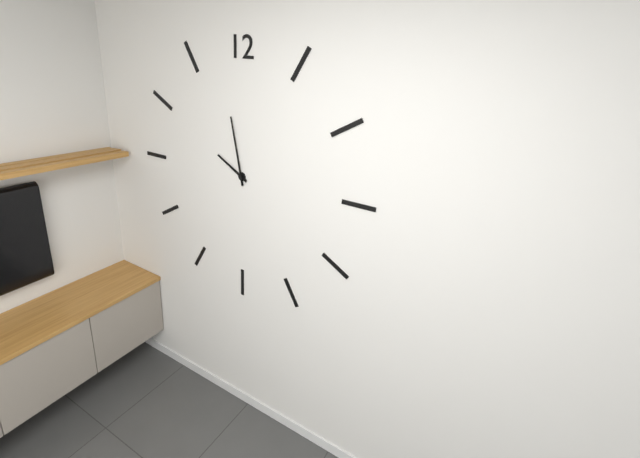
9 h 58 min
